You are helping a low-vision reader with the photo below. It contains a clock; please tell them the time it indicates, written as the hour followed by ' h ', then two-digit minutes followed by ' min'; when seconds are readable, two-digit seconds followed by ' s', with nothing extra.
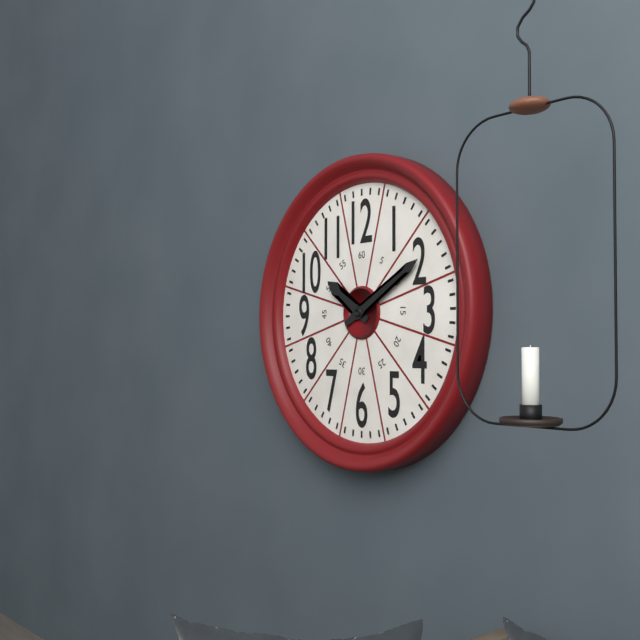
10 h 10 min
